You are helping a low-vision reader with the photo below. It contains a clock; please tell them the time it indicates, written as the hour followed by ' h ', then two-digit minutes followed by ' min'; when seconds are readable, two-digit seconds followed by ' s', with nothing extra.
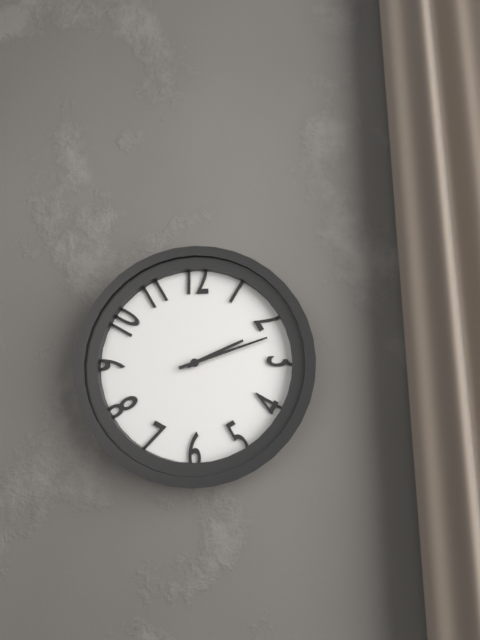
2 h 12 min
